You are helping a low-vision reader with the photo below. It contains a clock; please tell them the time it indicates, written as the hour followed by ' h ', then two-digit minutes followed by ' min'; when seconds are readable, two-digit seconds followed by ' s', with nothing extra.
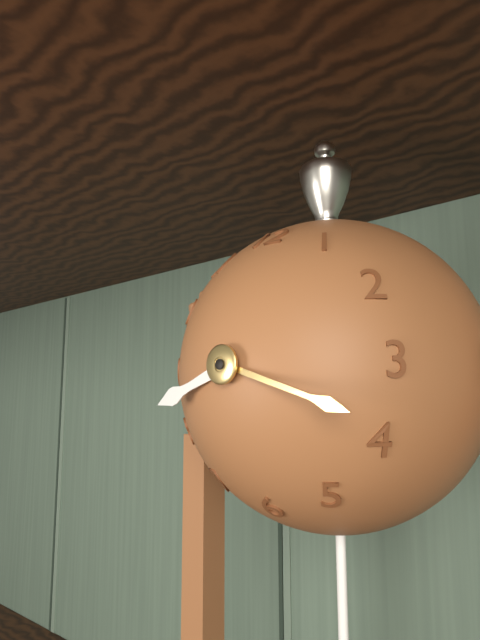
8 h 18 min
